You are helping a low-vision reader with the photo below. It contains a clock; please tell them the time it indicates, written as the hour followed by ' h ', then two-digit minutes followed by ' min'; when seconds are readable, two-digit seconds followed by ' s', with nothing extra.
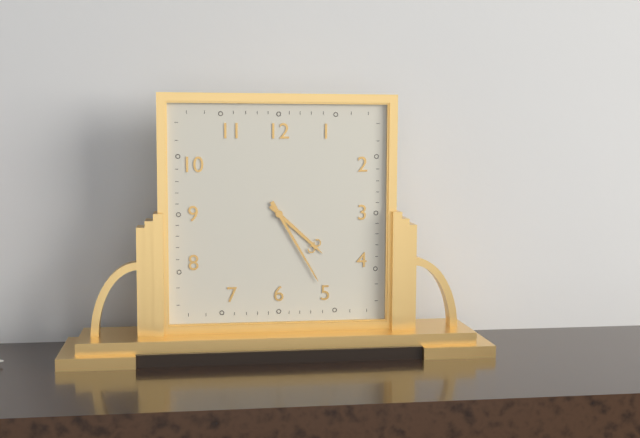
4 h 25 min
